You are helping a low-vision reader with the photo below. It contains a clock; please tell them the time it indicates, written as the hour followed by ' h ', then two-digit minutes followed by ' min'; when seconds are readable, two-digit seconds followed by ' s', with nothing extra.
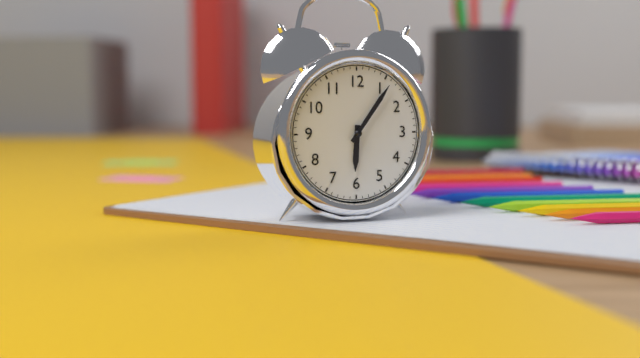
6 h 06 min
